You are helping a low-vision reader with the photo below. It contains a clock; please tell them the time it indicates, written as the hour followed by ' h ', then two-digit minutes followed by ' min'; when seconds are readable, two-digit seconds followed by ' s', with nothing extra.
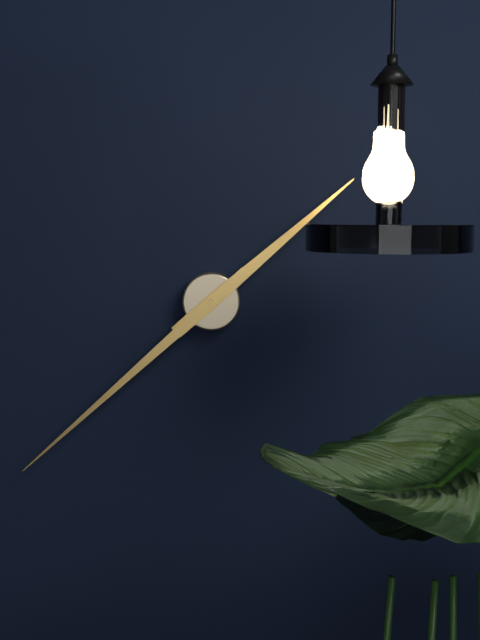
1 h 38 min
